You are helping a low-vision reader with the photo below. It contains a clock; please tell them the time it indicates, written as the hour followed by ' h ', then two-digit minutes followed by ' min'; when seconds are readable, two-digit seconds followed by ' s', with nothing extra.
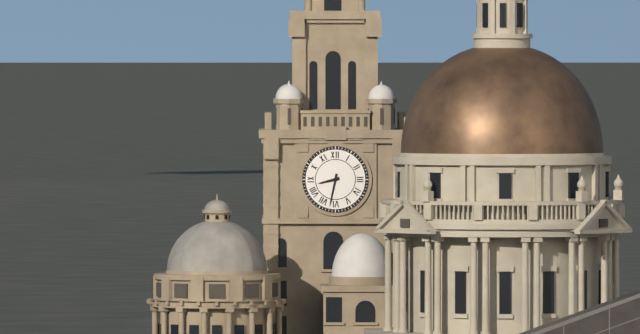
8 h 32 min
